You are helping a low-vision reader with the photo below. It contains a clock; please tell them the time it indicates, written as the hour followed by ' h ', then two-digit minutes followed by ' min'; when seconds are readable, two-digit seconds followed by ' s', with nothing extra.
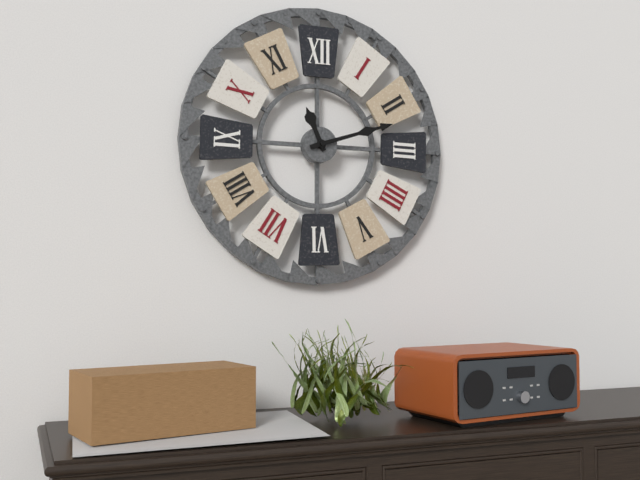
11 h 12 min
